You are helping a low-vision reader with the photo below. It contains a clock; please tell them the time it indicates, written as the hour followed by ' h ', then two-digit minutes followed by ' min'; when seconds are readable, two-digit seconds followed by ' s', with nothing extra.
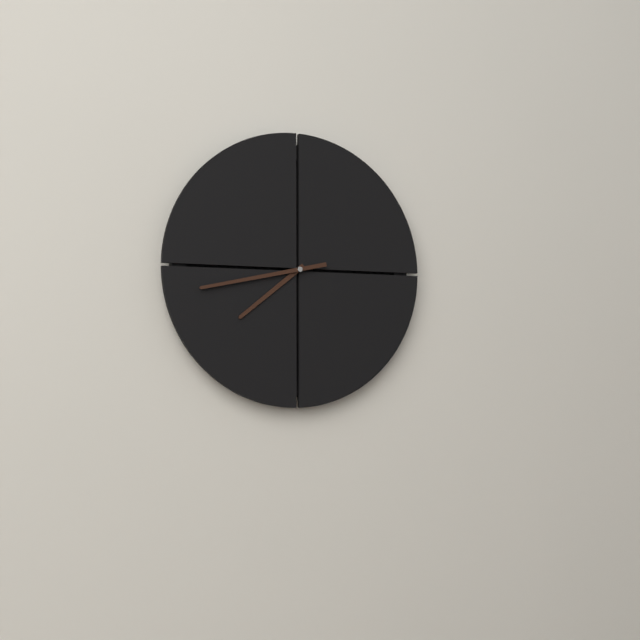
7 h 43 min
